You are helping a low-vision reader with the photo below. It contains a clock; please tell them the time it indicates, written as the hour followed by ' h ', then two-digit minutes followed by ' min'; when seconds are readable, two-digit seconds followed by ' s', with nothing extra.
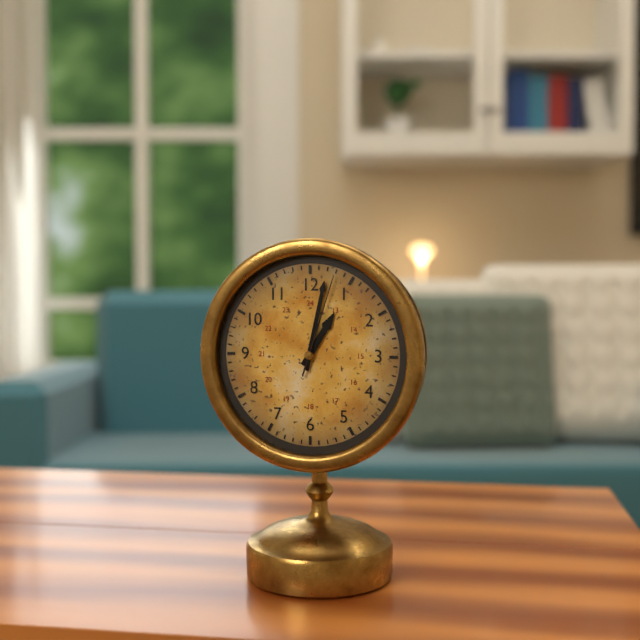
1 h 02 min 03 s
